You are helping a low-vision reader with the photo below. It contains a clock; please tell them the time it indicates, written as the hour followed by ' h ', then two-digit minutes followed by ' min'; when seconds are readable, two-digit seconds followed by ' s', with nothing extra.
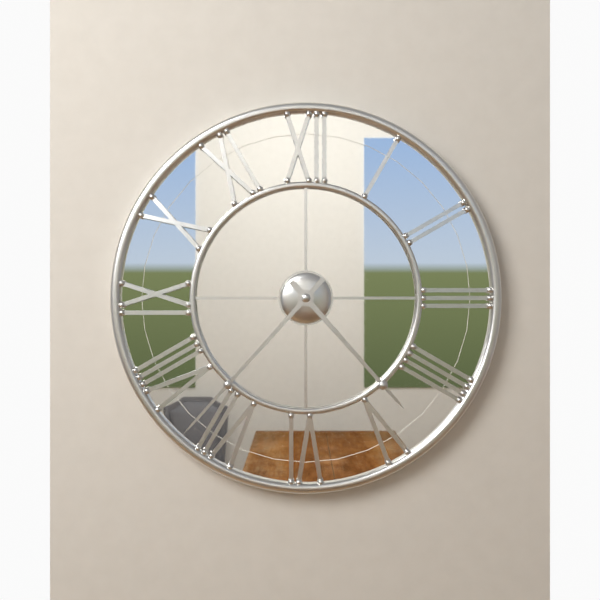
4 h 37 min
